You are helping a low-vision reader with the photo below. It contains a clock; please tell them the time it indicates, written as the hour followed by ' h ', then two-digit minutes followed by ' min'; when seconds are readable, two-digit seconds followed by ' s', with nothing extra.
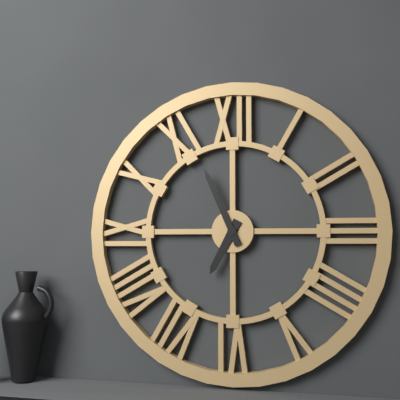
6 h 56 min
